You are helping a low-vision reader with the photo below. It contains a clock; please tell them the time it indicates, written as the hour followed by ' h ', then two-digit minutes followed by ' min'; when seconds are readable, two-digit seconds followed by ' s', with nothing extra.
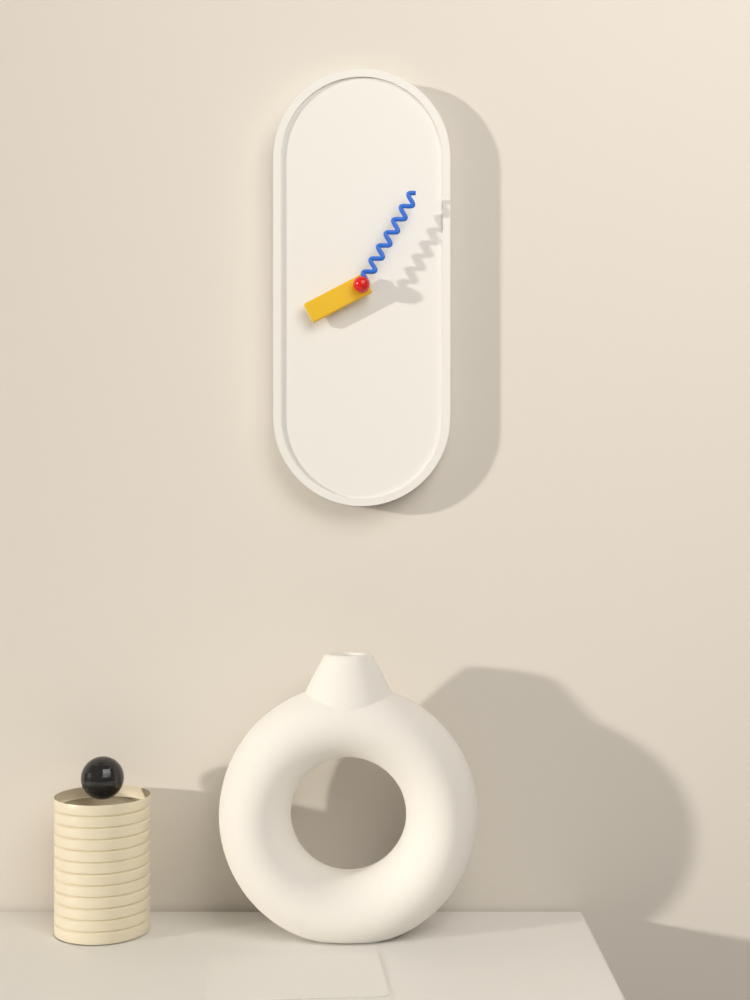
8 h 05 min
